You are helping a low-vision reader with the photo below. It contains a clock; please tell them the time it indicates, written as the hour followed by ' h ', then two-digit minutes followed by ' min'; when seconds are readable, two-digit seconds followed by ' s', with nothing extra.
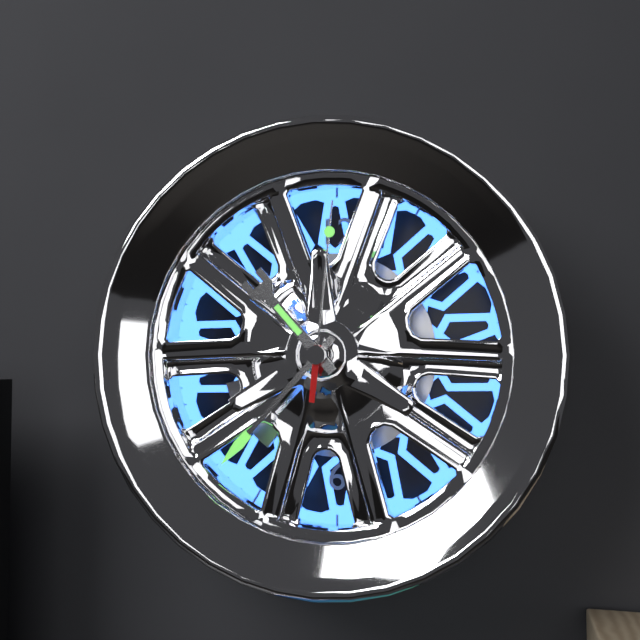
10 h 37 min 01 s
